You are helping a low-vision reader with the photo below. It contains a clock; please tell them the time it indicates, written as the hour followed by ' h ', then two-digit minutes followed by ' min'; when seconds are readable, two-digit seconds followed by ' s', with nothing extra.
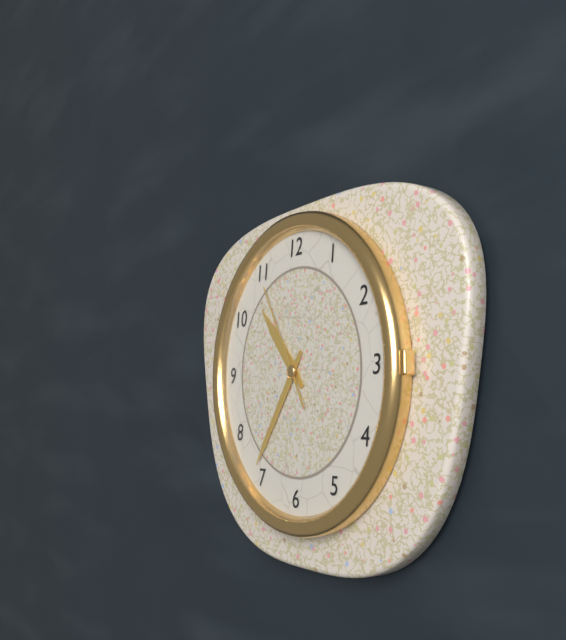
10 h 36 min 55 s
